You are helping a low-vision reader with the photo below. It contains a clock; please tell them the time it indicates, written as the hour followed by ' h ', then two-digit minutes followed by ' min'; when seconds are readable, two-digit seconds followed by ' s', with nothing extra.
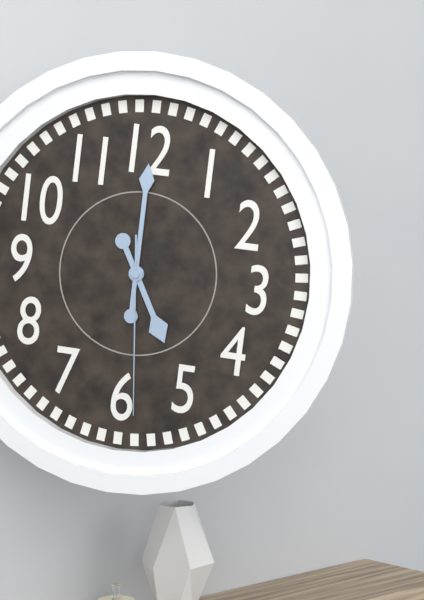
5 h 00 min 29 s
